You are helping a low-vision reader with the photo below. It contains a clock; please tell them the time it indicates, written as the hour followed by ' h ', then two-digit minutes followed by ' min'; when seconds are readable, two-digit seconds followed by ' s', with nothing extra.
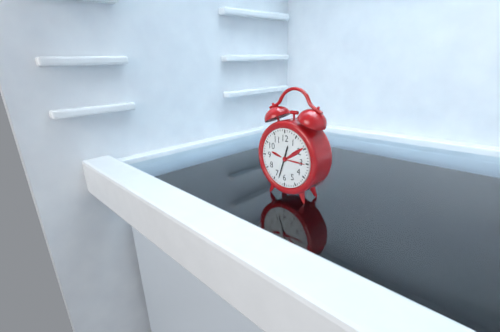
12 h 33 min
